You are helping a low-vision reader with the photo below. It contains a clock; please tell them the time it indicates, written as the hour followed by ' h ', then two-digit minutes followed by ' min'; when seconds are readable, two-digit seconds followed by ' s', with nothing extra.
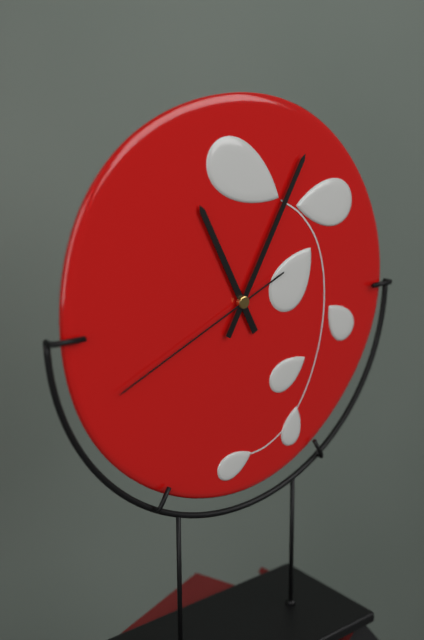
11 h 05 min 41 s
